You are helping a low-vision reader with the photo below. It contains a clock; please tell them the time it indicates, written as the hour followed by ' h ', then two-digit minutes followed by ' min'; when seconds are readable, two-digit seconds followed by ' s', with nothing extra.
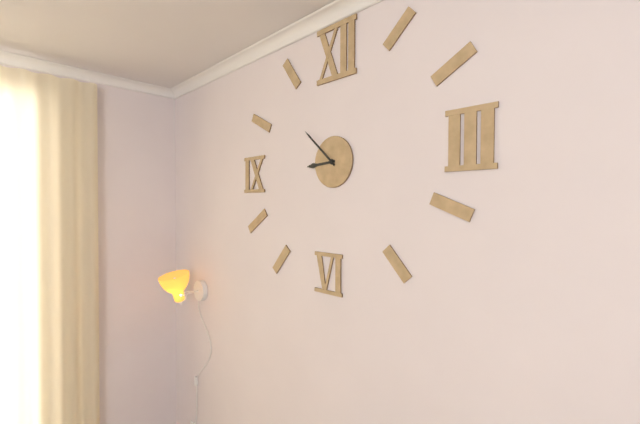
8 h 52 min
